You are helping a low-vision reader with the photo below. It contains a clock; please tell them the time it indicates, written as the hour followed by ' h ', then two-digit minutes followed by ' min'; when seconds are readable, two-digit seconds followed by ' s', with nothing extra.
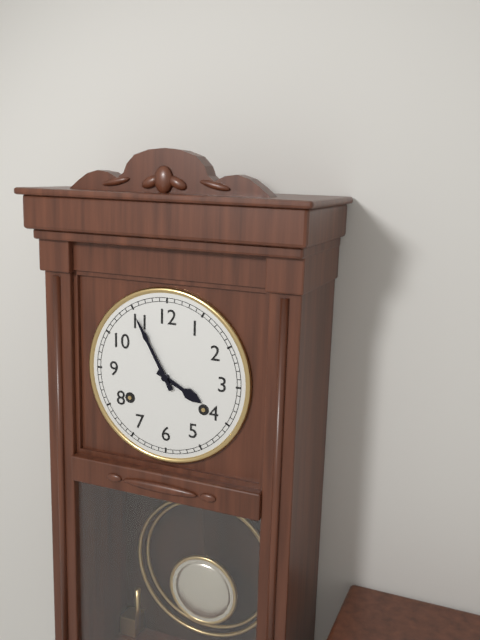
3 h 55 min
